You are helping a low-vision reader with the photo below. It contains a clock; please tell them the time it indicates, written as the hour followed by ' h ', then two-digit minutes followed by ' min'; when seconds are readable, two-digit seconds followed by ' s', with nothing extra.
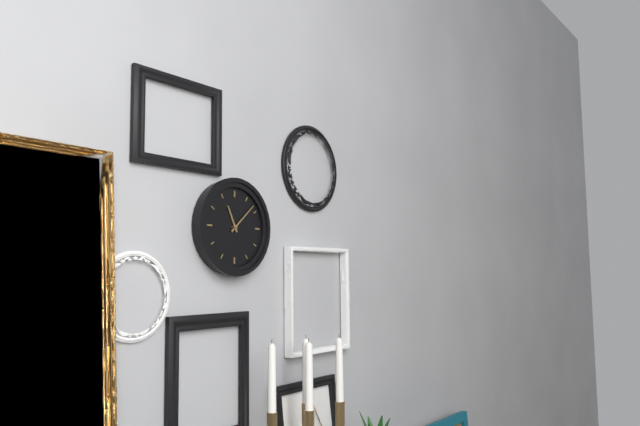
11 h 08 min
